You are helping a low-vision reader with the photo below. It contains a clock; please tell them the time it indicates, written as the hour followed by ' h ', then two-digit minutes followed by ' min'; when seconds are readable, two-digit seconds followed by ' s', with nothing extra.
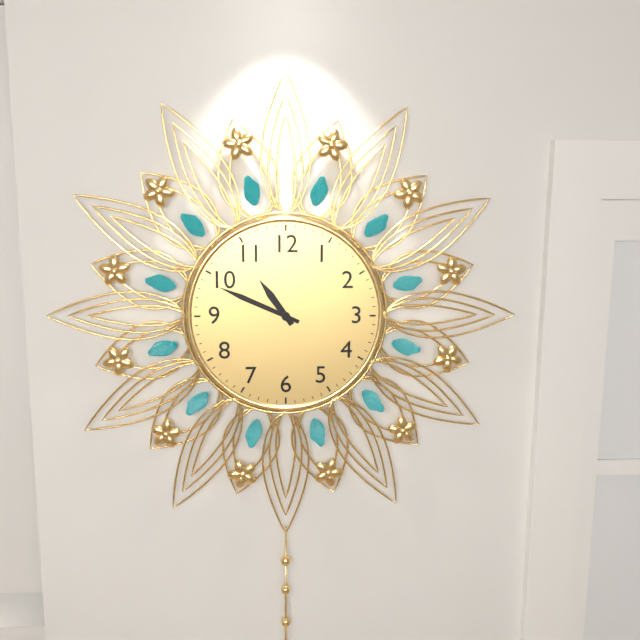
10 h 49 min
